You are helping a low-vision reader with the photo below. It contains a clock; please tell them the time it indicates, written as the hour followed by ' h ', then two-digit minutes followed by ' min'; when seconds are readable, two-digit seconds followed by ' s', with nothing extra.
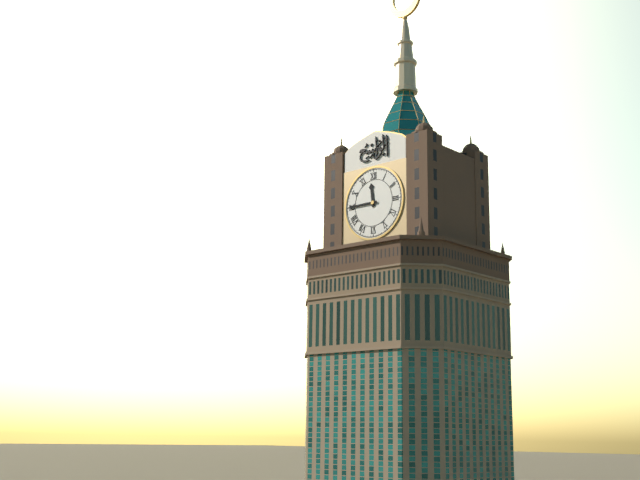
11 h 45 min
